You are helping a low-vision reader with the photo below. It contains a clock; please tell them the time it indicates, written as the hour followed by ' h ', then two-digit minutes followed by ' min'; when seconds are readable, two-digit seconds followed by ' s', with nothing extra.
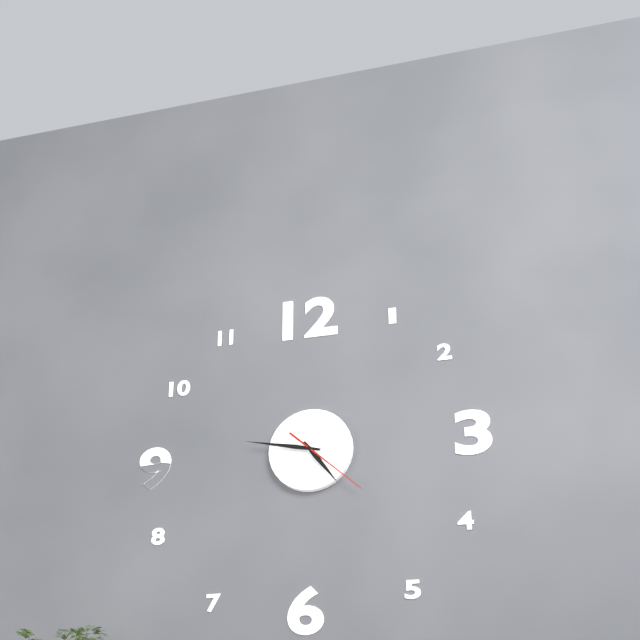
4 h 47 min 22 s
